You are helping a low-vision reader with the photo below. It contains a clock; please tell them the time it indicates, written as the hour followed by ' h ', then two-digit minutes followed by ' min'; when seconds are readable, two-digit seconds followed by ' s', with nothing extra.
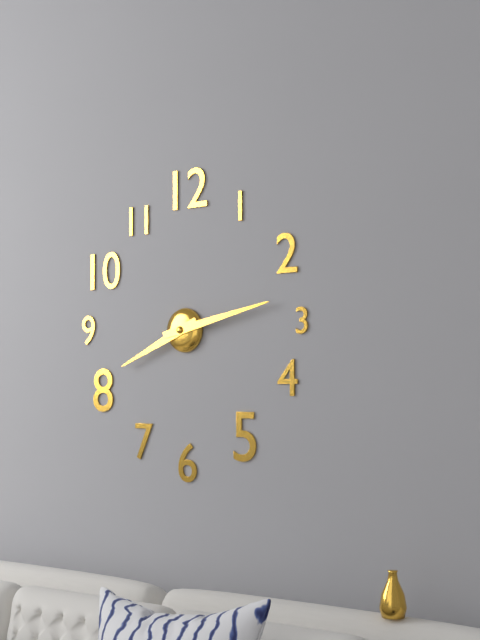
8 h 13 min
